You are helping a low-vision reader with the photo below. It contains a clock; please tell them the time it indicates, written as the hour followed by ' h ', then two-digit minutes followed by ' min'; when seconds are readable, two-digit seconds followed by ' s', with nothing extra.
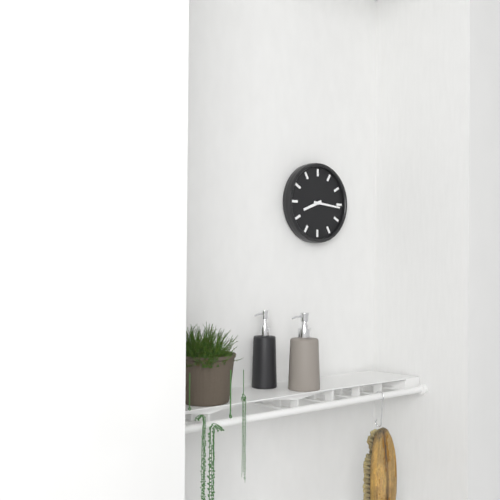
8 h 16 min
